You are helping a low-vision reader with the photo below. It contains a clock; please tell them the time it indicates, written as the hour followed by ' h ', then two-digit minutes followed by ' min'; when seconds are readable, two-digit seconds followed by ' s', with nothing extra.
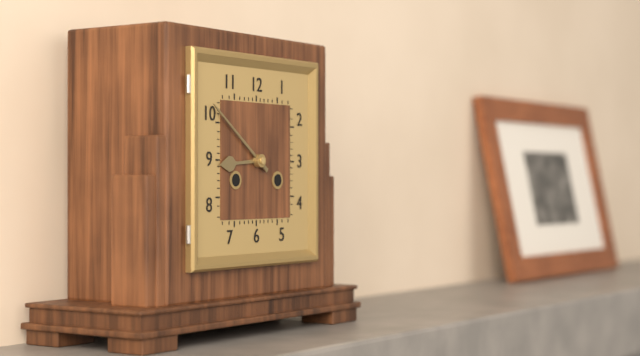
8 h 51 min
